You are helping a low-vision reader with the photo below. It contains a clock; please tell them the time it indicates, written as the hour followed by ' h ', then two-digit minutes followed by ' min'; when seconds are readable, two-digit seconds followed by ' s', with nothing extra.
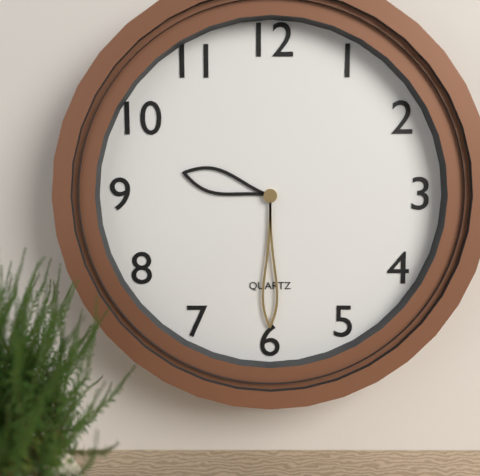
9 h 30 min
